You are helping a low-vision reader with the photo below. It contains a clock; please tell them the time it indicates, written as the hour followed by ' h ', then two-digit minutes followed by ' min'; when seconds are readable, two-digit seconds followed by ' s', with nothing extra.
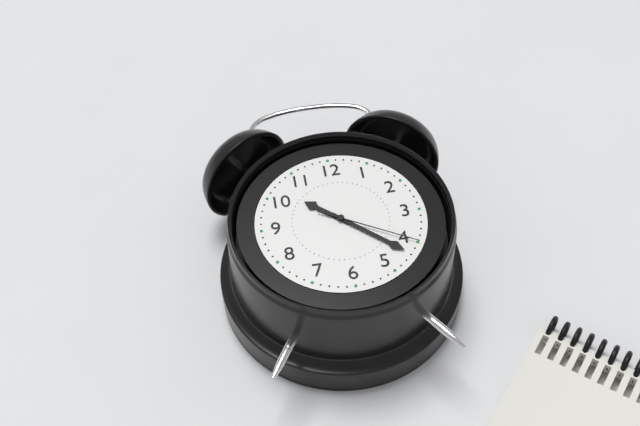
10 h 22 min 20 s
